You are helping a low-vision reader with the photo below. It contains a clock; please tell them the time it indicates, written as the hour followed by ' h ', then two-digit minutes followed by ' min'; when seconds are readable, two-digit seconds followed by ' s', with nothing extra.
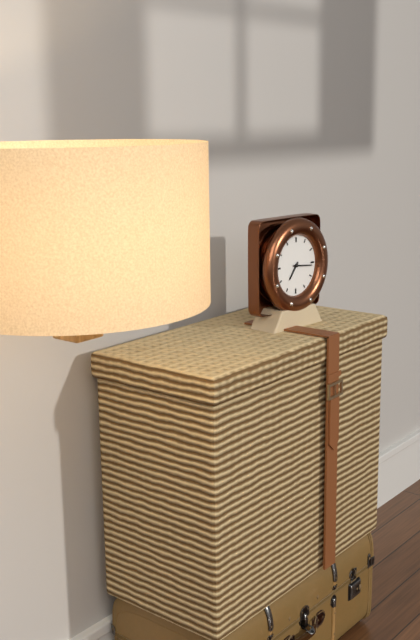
7 h 16 min
